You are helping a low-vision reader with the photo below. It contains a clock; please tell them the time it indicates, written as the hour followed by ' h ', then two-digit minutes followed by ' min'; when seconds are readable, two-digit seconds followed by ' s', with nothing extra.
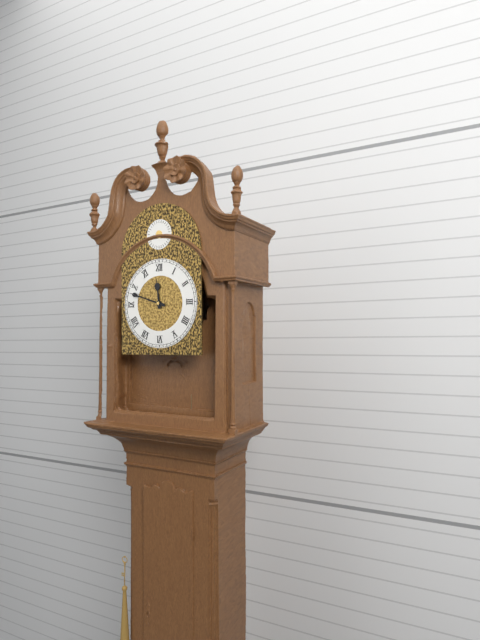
11 h 48 min
